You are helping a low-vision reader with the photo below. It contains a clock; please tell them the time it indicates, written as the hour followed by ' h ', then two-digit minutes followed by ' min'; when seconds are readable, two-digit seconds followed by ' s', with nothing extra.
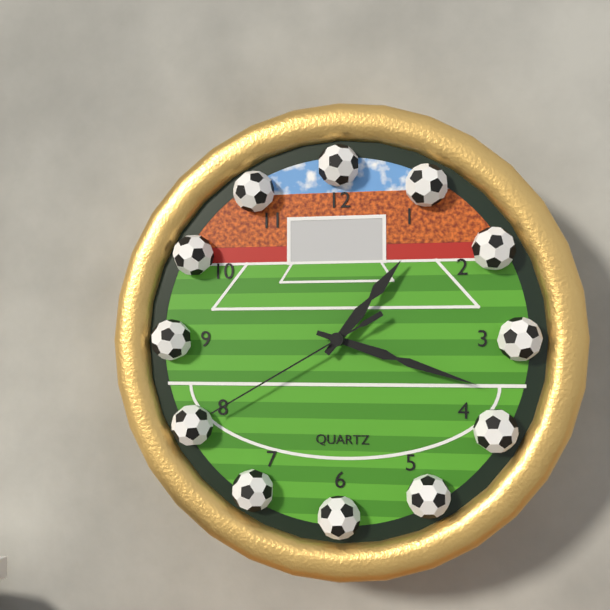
1 h 18 min 40 s
